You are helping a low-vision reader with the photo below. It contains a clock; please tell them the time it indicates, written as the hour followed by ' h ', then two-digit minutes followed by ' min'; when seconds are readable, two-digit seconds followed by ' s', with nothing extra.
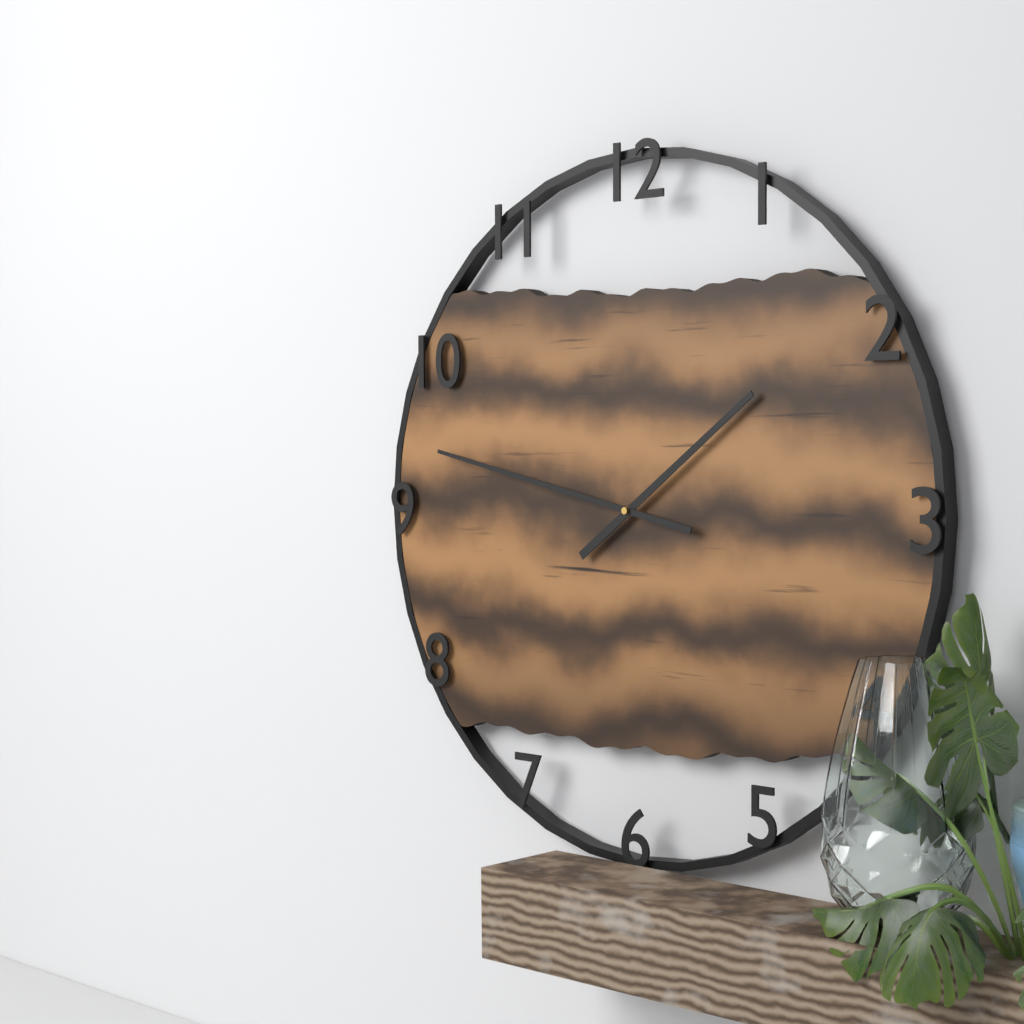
1 h 47 min
